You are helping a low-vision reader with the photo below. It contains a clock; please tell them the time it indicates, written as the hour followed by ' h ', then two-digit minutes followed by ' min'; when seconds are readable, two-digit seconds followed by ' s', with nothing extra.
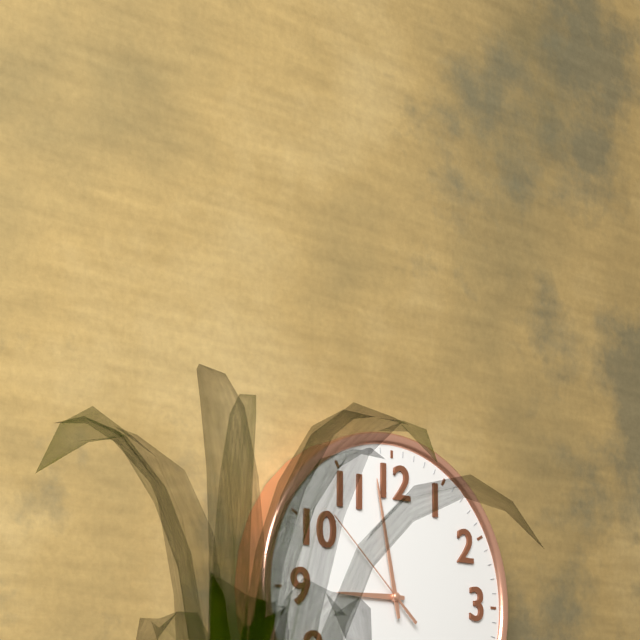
8 h 58 min 52 s
